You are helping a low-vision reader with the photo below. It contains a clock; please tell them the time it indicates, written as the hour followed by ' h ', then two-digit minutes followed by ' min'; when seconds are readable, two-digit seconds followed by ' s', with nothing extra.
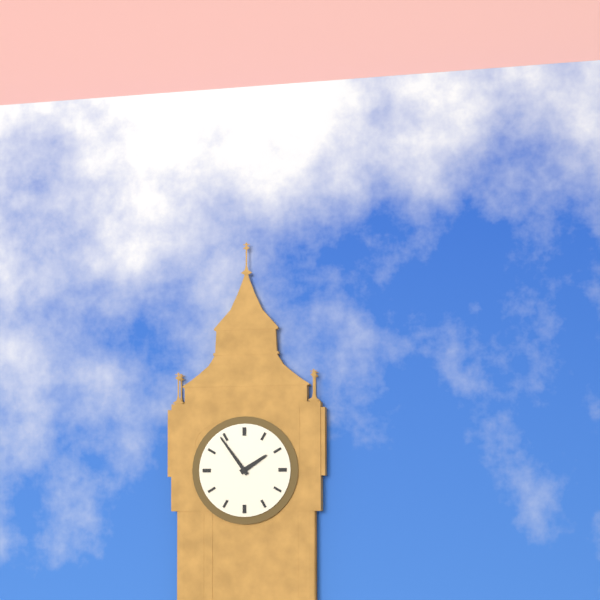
1 h 54 min
